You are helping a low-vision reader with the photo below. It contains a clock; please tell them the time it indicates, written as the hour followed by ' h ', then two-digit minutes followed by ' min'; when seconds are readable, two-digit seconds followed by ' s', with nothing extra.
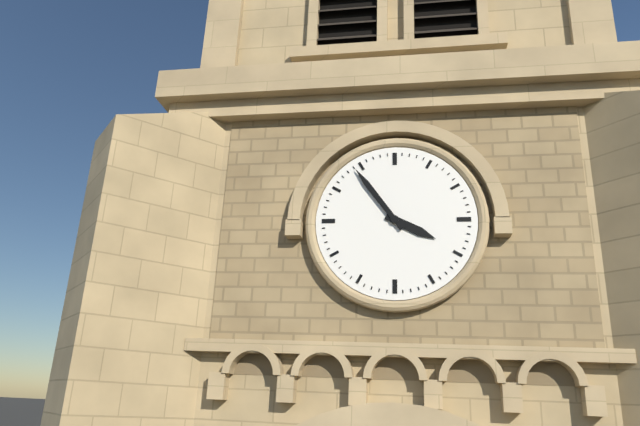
3 h 54 min
